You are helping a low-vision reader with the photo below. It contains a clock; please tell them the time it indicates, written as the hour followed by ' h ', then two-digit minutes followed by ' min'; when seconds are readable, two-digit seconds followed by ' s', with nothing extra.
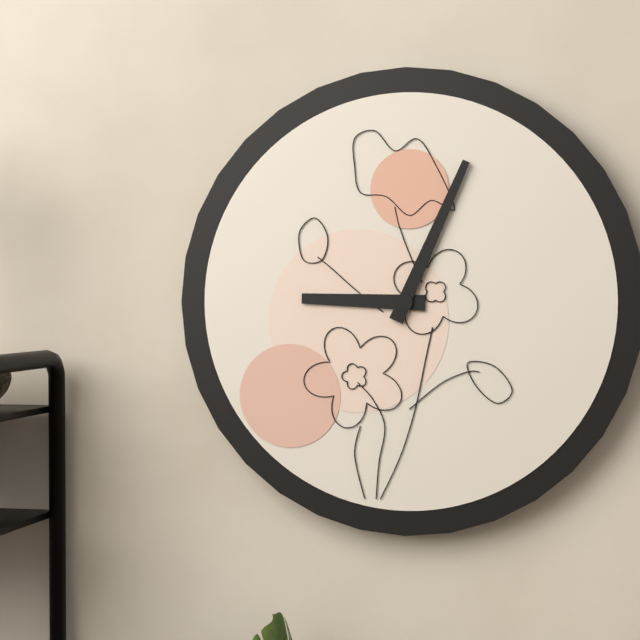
9 h 04 min
